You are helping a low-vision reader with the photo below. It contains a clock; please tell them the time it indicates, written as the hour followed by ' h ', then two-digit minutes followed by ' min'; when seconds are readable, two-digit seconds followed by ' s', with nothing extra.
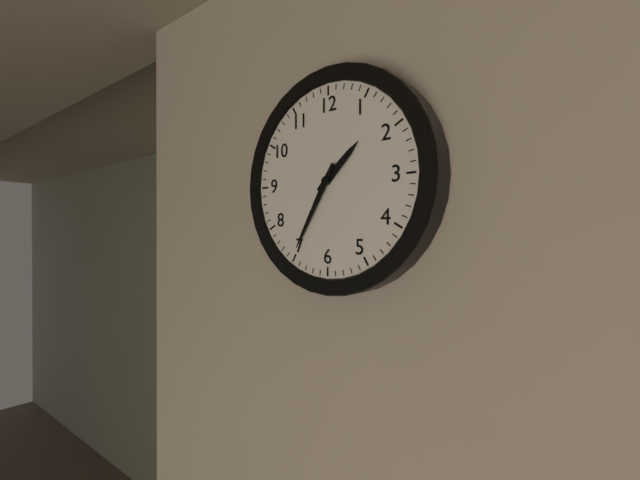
1 h 35 min
